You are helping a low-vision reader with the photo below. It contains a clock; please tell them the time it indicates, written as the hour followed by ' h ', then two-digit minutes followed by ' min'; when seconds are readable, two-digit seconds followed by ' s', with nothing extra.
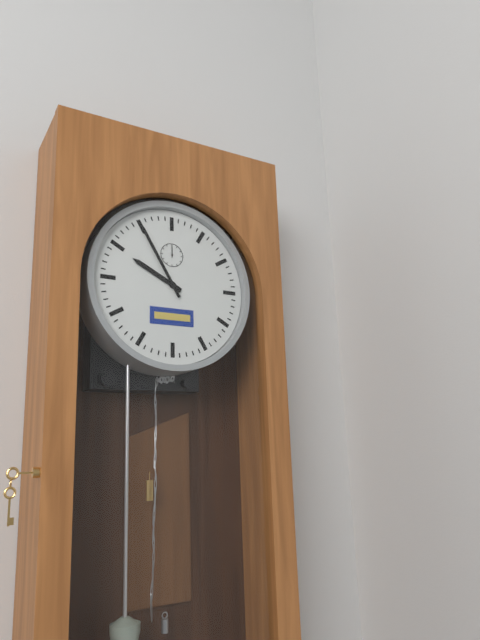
9 h 55 min
